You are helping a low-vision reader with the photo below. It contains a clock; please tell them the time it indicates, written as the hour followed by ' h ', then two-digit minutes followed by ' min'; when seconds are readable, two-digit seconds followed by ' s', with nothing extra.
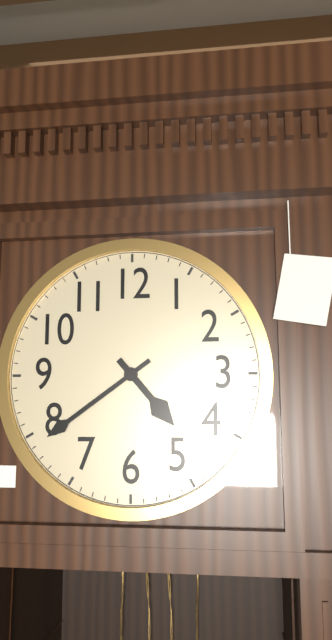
4 h 39 min
